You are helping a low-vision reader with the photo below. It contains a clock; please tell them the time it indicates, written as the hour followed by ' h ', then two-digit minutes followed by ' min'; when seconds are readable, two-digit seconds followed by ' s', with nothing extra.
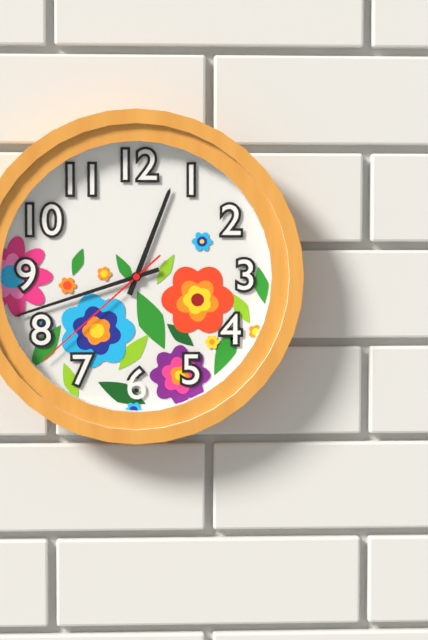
12 h 42 min 38 s
